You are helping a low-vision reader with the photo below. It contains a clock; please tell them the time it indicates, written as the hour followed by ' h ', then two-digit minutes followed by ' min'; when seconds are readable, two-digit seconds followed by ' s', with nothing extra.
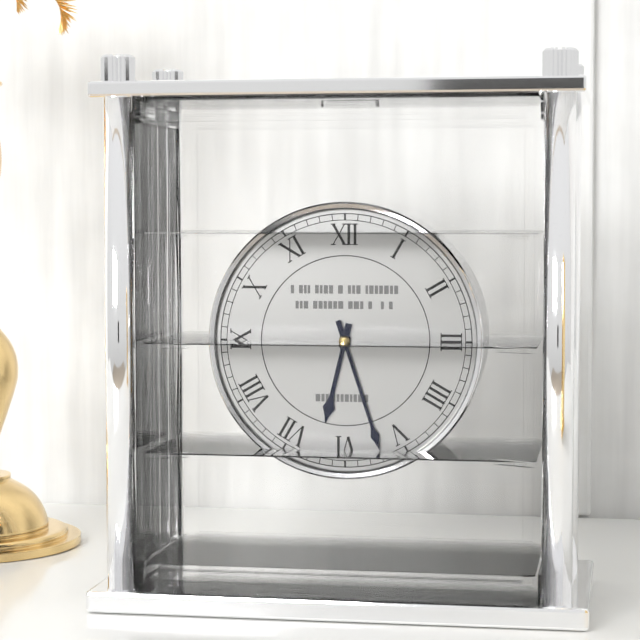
6 h 27 min
